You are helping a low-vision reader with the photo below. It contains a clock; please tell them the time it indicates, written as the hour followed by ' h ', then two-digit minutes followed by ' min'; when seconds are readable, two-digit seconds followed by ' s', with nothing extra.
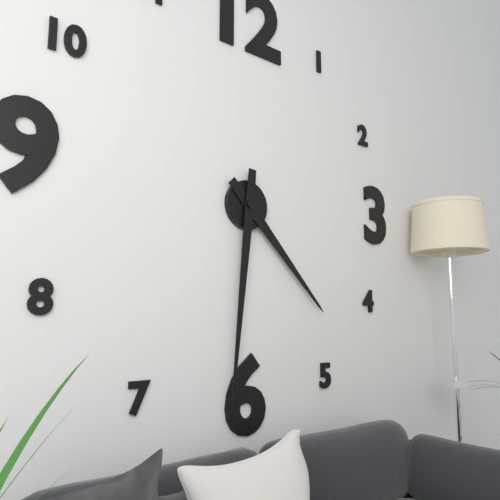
4 h 31 min
